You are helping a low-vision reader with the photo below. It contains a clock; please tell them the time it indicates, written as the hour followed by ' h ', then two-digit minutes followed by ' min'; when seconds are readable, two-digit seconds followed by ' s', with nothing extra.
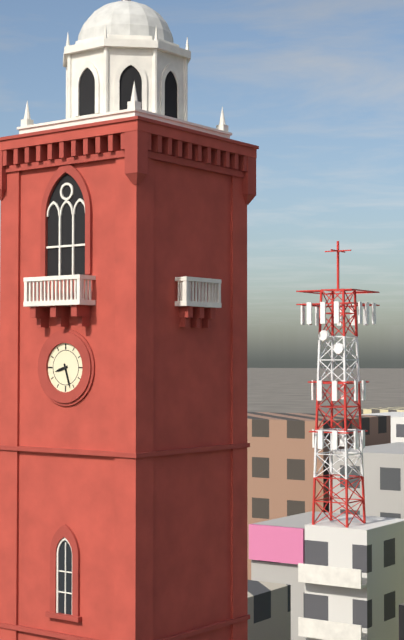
8 h 27 min
